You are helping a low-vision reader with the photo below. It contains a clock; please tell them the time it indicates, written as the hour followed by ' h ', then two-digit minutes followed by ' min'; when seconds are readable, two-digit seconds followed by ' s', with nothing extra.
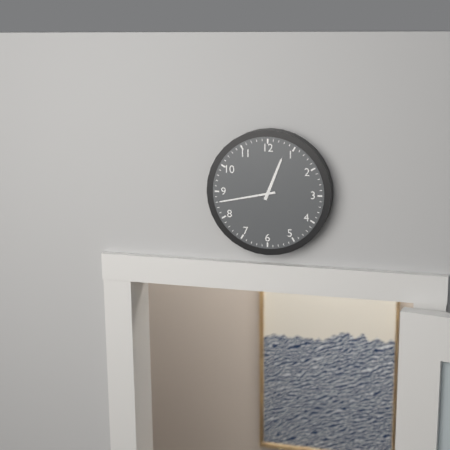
12 h 43 min
